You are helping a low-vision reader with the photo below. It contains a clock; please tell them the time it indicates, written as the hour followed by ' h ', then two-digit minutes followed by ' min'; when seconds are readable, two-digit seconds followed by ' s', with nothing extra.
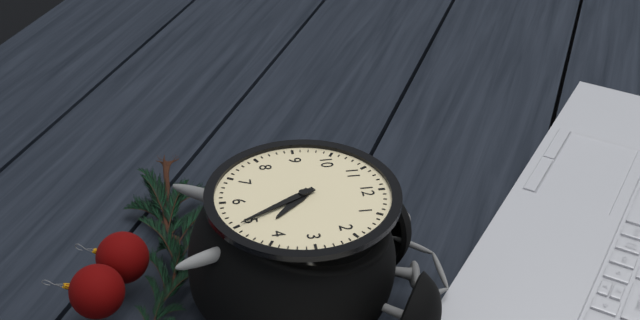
4 h 25 min
